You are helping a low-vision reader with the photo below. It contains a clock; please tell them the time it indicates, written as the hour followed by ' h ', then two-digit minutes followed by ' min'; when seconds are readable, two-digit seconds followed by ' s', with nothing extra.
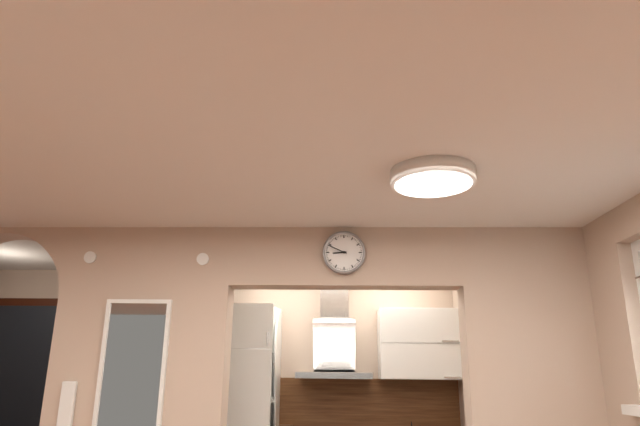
8 h 49 min
